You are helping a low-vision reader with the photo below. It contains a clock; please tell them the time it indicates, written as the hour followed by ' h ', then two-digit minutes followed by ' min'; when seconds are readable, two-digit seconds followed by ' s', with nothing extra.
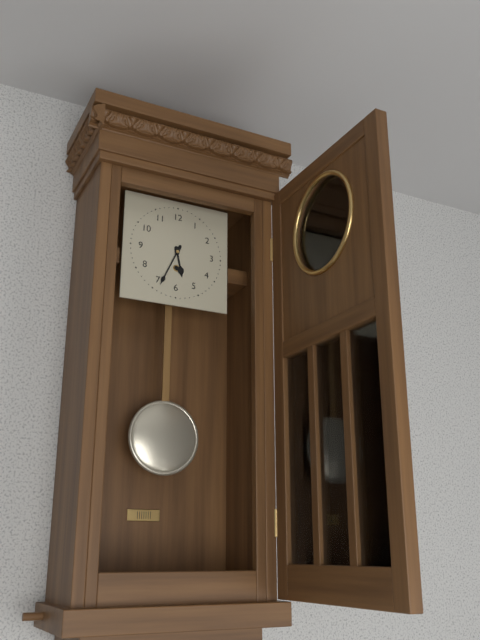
5 h 34 min
